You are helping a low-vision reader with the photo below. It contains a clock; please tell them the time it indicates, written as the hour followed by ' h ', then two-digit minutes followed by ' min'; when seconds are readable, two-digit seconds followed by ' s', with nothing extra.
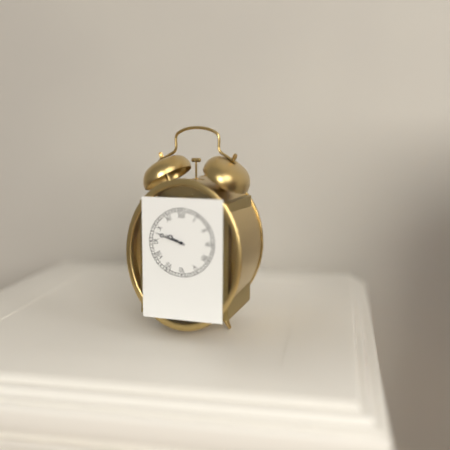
9 h 48 min
